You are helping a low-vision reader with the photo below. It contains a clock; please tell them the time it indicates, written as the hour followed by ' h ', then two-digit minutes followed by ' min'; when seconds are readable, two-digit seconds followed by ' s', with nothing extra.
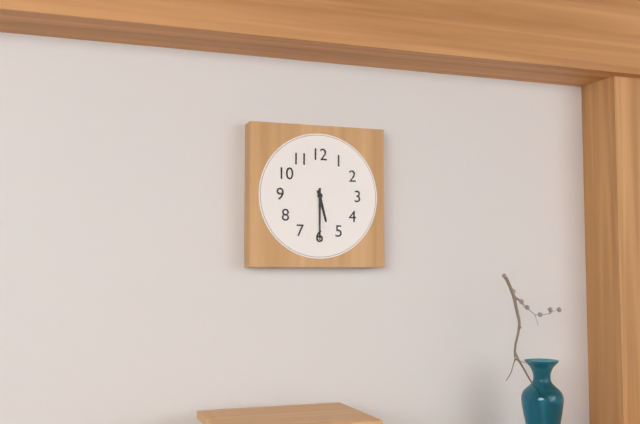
5 h 30 min
